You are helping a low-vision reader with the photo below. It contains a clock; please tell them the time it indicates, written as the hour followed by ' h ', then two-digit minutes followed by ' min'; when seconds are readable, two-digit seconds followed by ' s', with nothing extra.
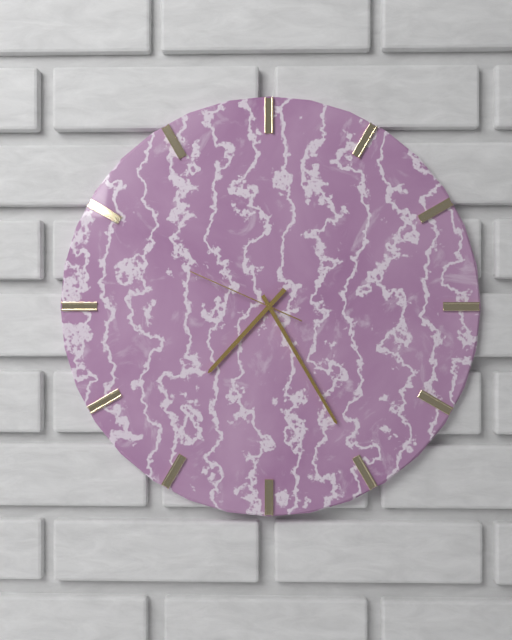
7 h 25 min 49 s
